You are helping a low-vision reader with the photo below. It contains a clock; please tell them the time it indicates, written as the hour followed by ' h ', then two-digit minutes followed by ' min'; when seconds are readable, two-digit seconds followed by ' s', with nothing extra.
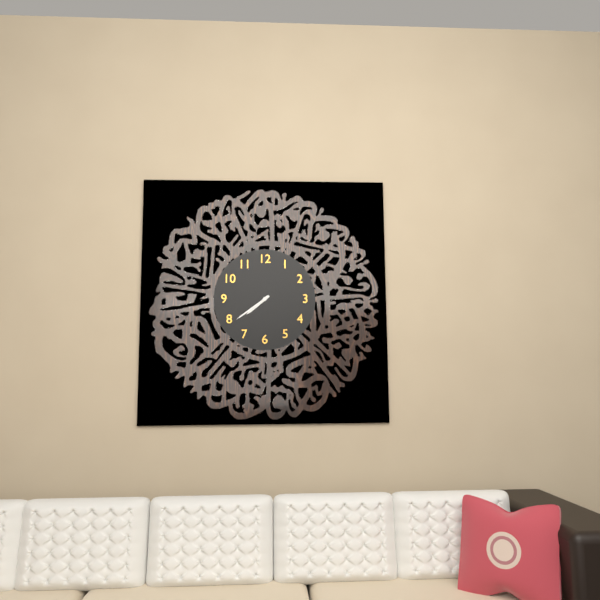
7 h 39 min
